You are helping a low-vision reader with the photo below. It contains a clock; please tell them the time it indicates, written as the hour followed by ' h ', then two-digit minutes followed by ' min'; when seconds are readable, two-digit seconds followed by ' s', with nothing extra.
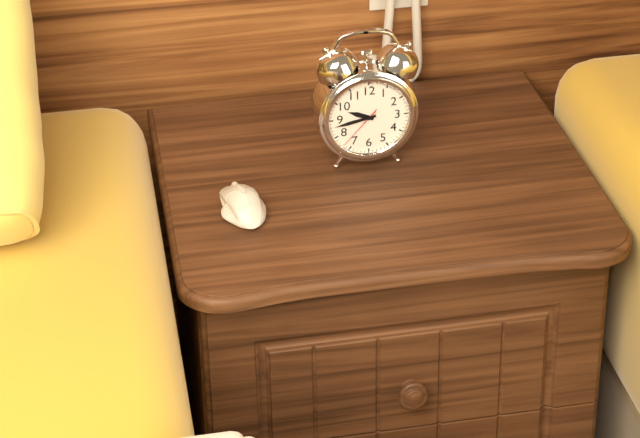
9 h 43 min
